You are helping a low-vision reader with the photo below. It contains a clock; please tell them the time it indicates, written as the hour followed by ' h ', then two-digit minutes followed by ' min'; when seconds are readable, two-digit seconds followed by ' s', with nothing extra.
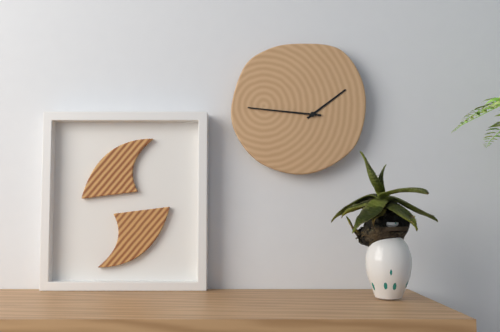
1 h 46 min
